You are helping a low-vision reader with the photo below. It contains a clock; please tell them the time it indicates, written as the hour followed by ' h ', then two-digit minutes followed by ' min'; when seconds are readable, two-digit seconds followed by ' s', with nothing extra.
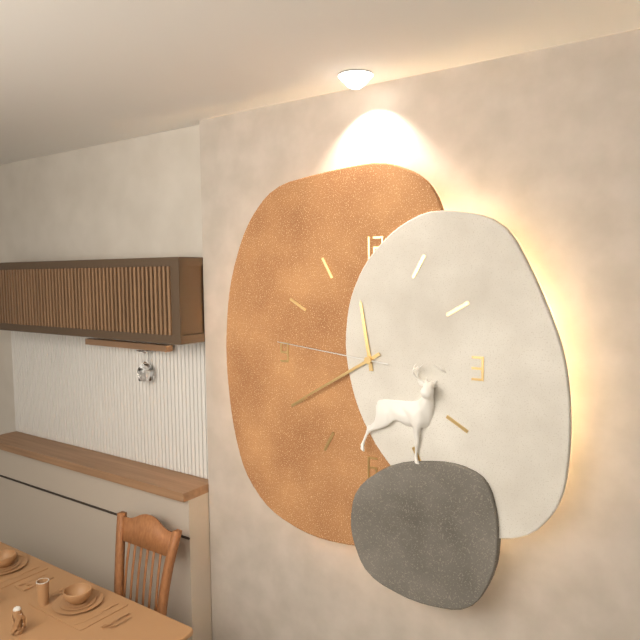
11 h 40 min 46 s
